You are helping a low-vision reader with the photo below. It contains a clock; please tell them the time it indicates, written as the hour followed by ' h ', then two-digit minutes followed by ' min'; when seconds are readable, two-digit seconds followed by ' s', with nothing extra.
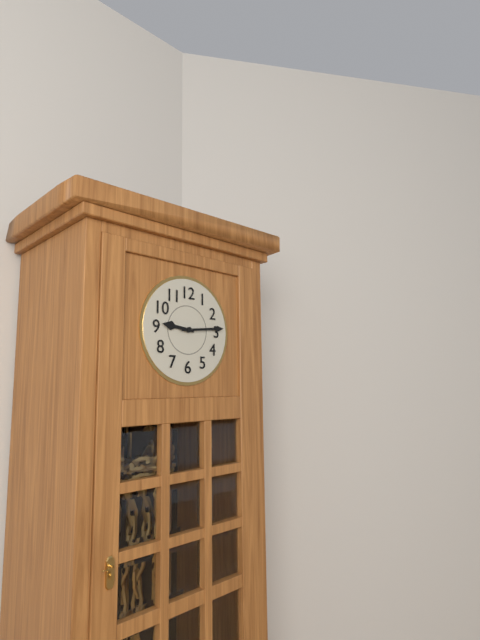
9 h 14 min
